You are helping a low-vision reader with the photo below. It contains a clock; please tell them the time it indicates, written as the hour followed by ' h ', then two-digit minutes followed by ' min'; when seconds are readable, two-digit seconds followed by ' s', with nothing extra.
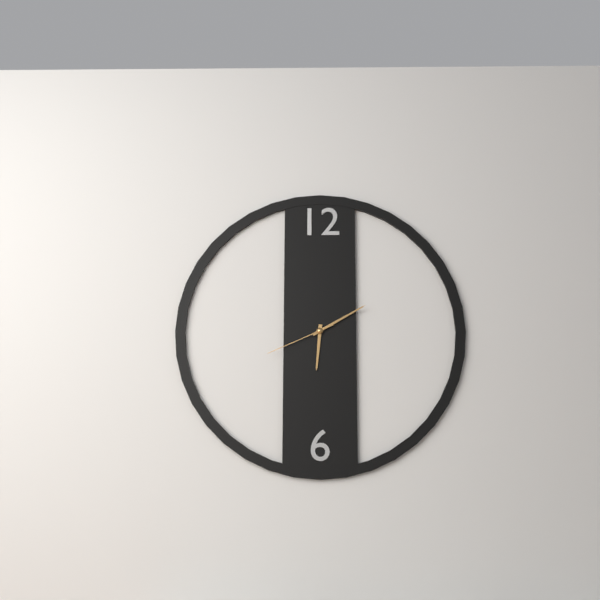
6 h 10 min 41 s
